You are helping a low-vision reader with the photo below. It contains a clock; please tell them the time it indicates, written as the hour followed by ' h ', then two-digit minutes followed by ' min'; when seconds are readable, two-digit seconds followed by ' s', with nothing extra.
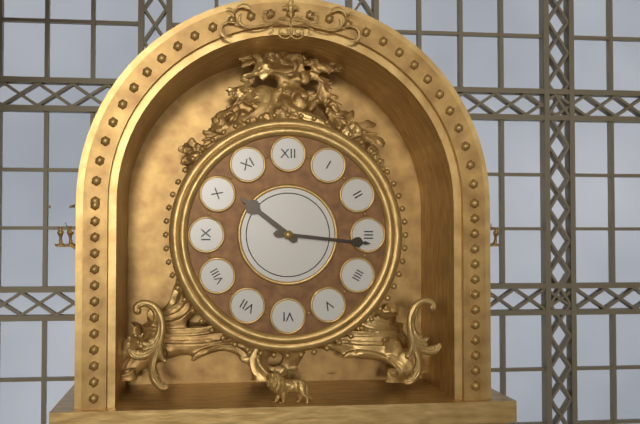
10 h 16 min
